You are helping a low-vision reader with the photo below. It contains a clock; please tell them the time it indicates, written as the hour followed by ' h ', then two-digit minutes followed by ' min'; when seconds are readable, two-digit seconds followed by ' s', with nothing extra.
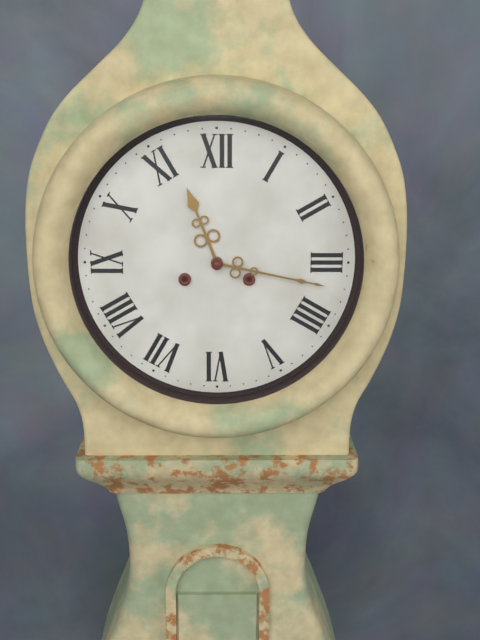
11 h 17 min
